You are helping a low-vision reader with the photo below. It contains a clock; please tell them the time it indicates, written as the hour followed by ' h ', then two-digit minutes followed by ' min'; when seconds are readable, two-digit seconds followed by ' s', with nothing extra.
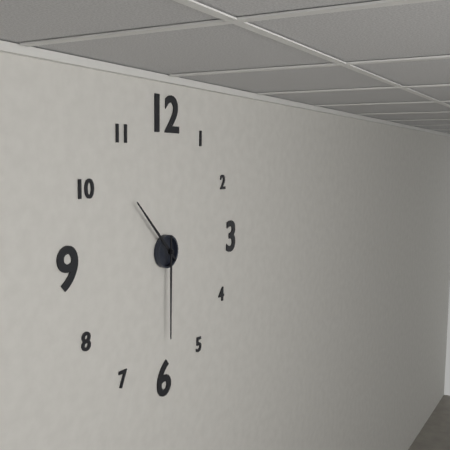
10 h 30 min
